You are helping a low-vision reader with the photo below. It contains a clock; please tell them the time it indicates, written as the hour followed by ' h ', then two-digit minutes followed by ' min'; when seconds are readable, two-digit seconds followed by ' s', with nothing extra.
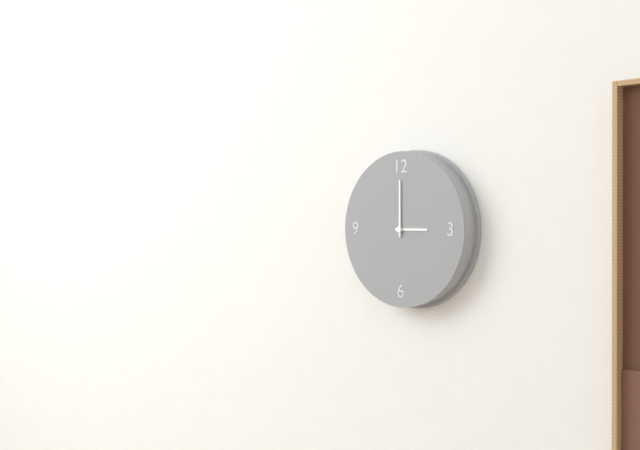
3 h 00 min
